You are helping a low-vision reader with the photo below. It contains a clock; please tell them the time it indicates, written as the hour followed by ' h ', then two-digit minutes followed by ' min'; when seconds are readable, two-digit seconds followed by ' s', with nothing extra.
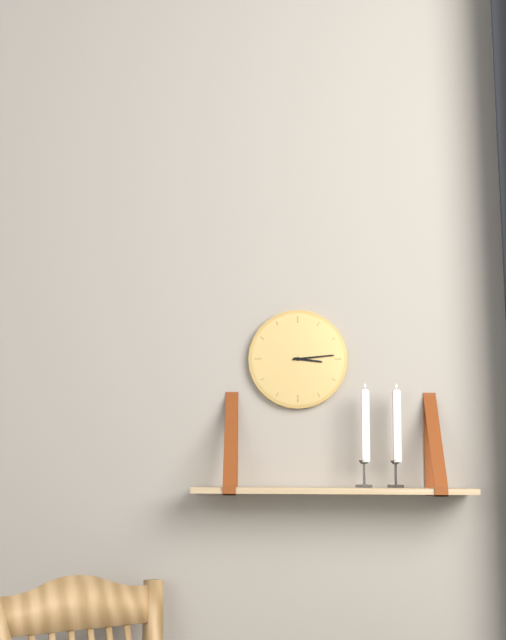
3 h 14 min
